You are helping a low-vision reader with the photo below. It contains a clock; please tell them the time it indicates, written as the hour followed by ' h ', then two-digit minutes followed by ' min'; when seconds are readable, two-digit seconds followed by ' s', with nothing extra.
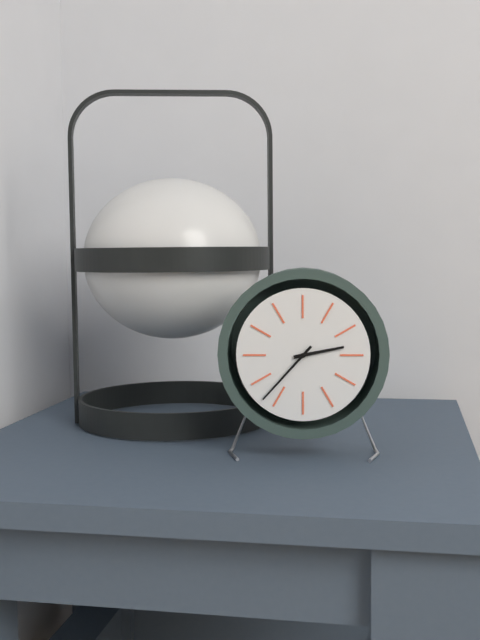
2 h 37 min
